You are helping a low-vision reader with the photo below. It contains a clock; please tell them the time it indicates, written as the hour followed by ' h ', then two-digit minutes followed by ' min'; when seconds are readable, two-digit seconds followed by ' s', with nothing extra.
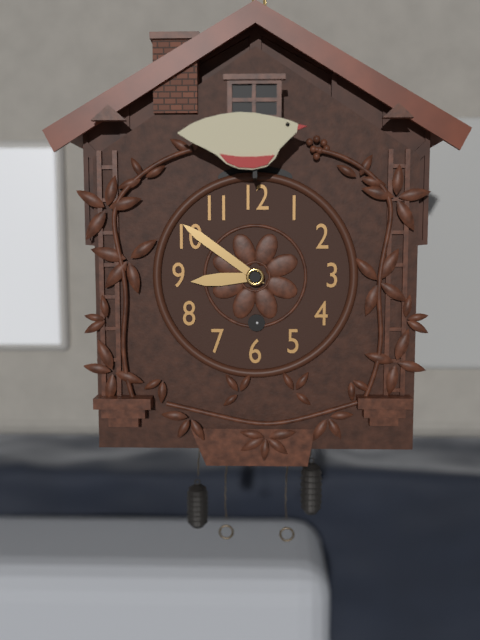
8 h 51 min
